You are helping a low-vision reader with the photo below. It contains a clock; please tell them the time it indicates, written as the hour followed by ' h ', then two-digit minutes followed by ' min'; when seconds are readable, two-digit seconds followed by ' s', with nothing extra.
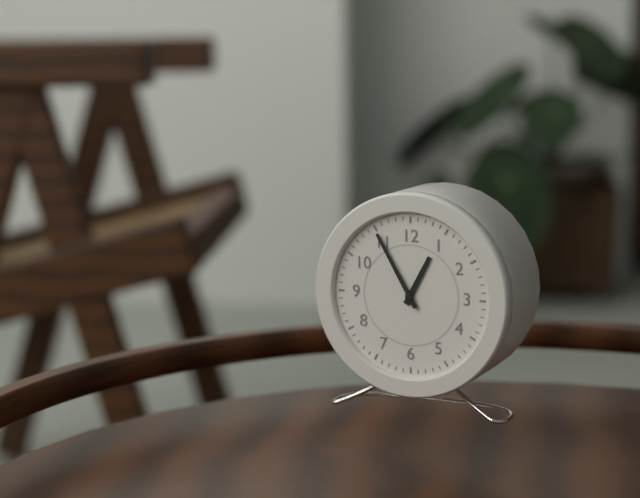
12 h 55 min
